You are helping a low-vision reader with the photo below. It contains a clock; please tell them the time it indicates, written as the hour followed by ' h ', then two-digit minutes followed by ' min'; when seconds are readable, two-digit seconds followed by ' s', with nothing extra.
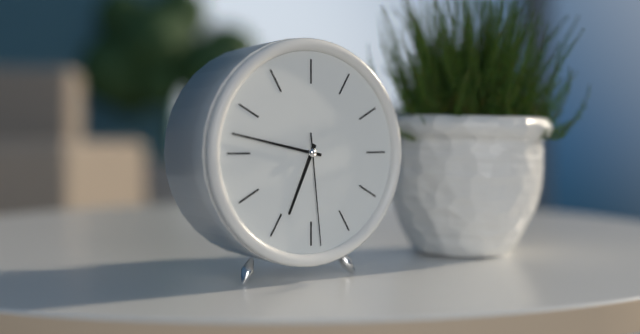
6 h 47 min 29 s
